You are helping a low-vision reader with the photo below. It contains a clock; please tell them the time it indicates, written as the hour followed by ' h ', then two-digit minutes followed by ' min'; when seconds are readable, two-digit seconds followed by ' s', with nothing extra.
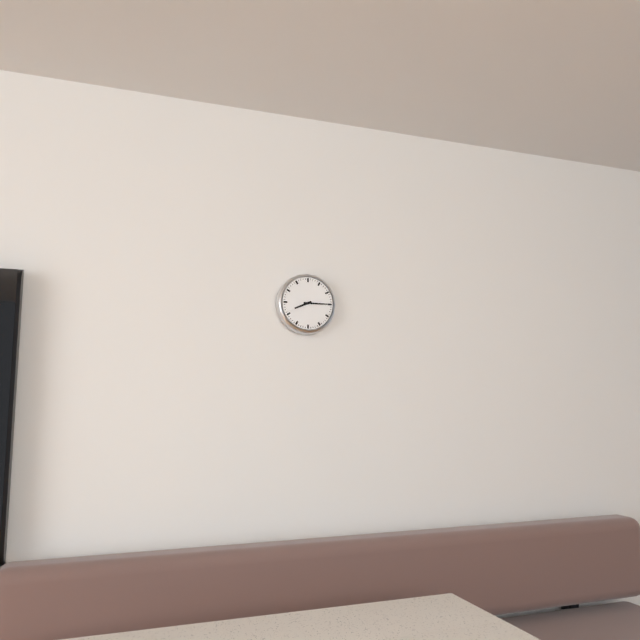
8 h 15 min
